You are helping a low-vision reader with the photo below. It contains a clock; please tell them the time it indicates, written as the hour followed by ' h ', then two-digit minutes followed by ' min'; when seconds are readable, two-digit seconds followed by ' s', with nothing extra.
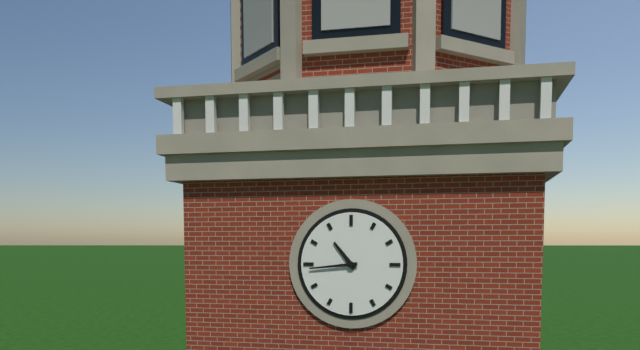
10 h 44 min
